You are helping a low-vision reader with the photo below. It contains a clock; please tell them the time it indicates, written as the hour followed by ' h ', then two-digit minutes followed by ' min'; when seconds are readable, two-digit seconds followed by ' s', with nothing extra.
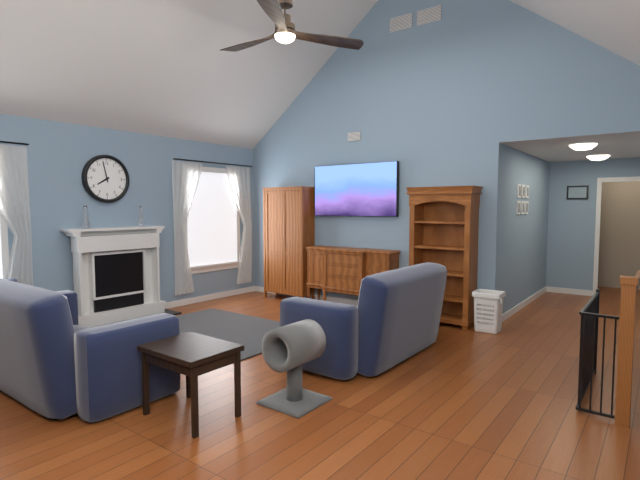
7 h 58 min
